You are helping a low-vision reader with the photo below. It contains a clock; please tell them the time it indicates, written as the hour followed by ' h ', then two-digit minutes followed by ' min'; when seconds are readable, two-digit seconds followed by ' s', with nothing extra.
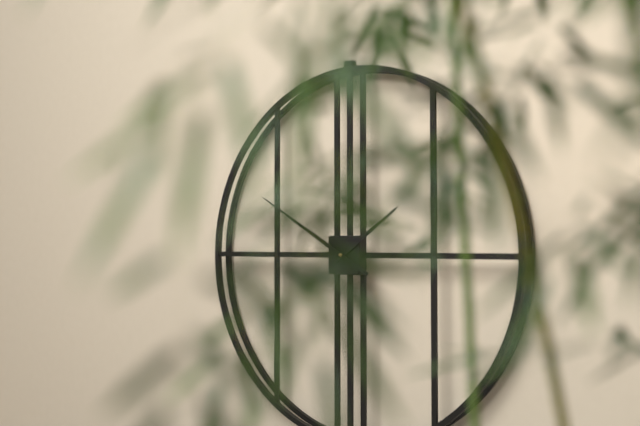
1 h 50 min
